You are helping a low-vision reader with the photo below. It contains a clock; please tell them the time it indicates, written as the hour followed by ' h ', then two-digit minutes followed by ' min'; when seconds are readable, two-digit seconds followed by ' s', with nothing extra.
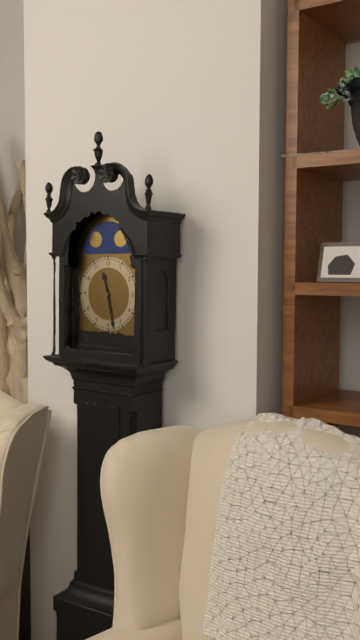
11 h 28 min
